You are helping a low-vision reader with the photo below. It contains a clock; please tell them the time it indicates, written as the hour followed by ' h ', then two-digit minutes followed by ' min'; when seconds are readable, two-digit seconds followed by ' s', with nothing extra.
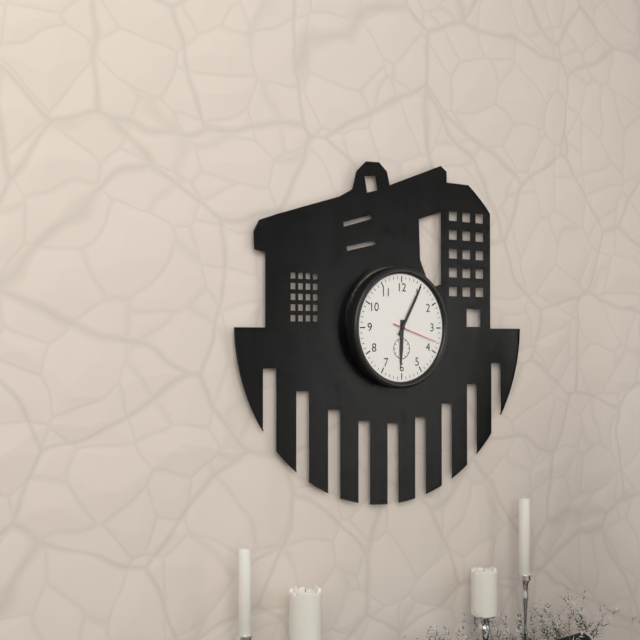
6 h 05 min
